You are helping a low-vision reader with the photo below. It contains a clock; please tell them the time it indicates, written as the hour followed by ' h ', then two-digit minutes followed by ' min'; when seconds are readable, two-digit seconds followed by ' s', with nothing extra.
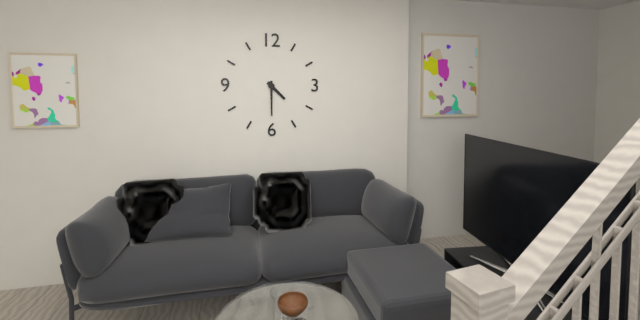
4 h 30 min
